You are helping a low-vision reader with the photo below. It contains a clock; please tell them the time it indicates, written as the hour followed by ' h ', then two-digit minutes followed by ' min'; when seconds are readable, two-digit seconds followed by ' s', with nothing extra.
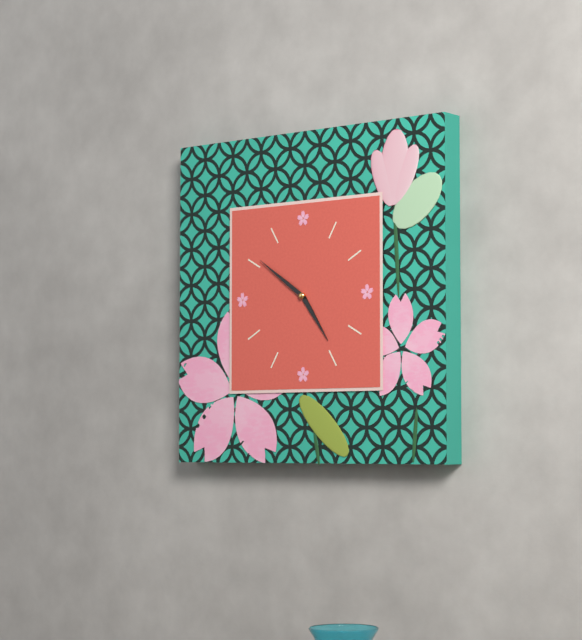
4 h 51 min
